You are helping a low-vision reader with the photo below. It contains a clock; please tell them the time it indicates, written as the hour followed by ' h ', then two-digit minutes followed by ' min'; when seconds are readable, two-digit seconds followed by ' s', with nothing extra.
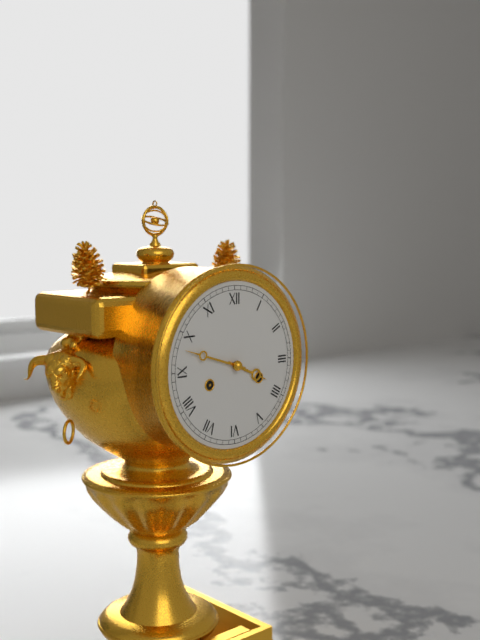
3 h 48 min
